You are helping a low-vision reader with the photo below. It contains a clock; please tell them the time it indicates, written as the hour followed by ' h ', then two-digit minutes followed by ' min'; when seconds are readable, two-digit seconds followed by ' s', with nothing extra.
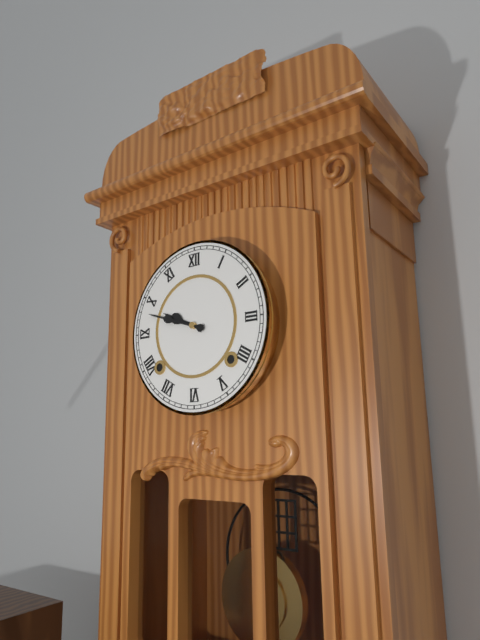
9 h 48 min
